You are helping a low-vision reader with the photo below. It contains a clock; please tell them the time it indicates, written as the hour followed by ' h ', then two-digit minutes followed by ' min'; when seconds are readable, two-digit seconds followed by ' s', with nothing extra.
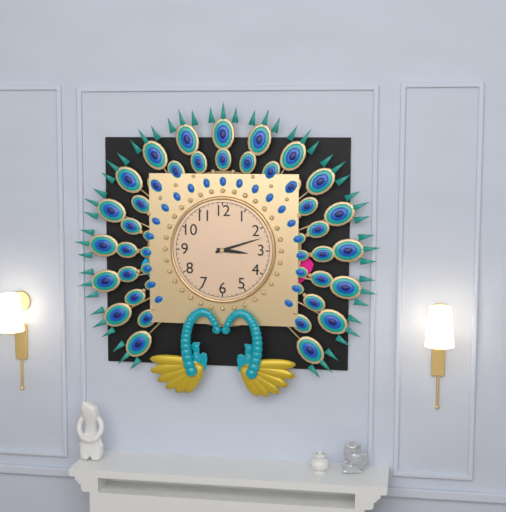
3 h 12 min
